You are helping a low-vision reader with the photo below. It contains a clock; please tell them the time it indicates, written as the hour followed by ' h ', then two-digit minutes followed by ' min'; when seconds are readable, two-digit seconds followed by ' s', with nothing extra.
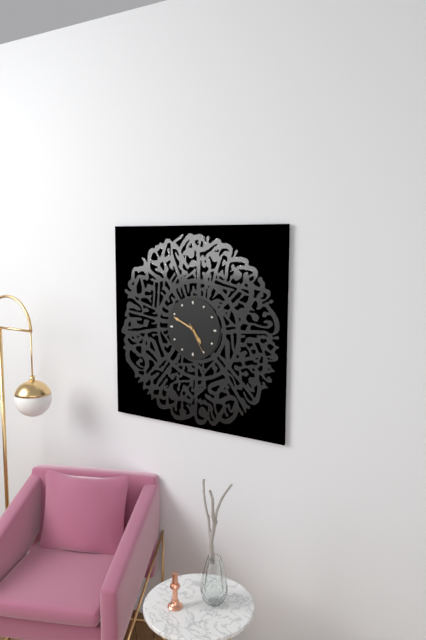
4 h 49 min
